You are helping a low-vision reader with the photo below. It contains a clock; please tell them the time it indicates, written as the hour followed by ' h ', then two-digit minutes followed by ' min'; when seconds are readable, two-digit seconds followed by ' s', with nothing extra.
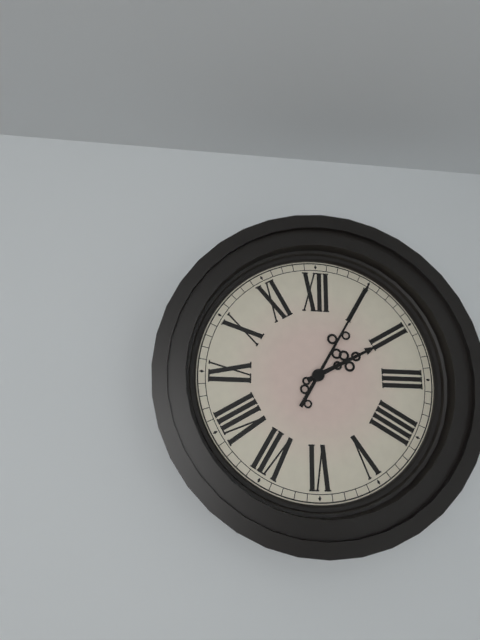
2 h 05 min
